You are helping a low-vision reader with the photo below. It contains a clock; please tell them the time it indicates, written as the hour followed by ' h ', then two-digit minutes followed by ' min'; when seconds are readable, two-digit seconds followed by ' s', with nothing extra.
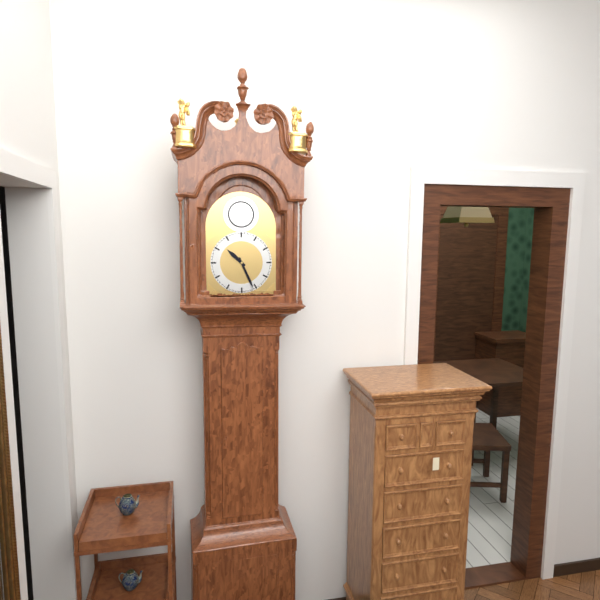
10 h 26 min
